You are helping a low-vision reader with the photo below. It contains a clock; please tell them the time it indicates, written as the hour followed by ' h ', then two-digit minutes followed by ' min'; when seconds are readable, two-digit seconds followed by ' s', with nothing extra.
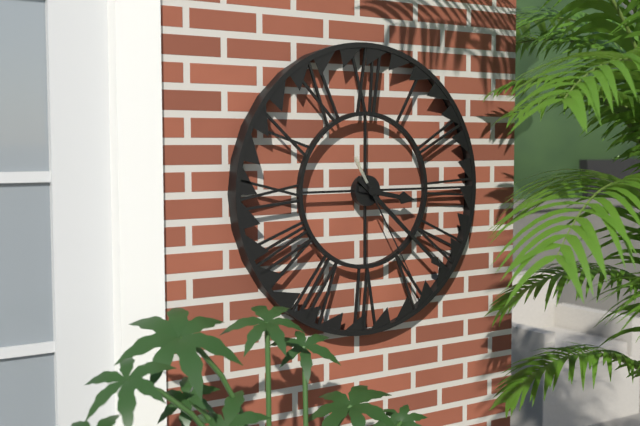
3 h 22 min 25 s
